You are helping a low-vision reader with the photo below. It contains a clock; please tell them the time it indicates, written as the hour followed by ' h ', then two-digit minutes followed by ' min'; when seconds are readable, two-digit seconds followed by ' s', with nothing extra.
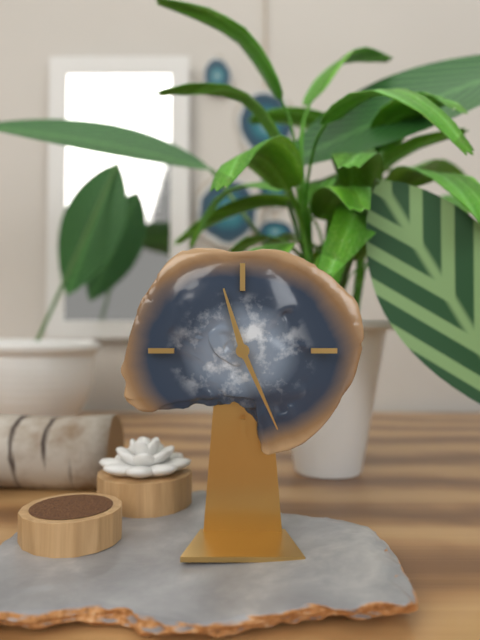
11 h 26 min
